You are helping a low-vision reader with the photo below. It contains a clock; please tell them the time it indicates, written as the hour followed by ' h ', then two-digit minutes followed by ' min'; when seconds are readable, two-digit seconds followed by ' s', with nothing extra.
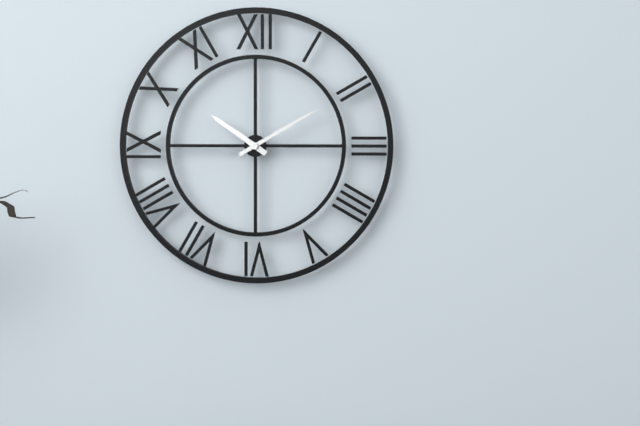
10 h 10 min
